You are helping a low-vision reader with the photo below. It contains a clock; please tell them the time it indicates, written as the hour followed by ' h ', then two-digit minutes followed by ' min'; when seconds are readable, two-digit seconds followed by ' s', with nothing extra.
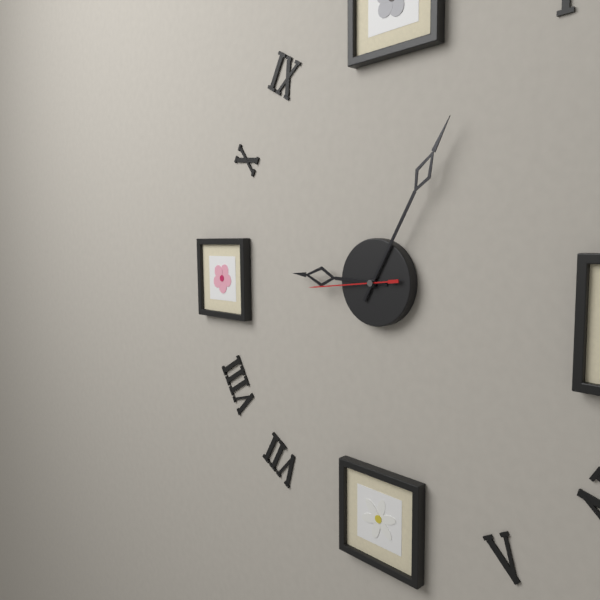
9 h 05 min 44 s
